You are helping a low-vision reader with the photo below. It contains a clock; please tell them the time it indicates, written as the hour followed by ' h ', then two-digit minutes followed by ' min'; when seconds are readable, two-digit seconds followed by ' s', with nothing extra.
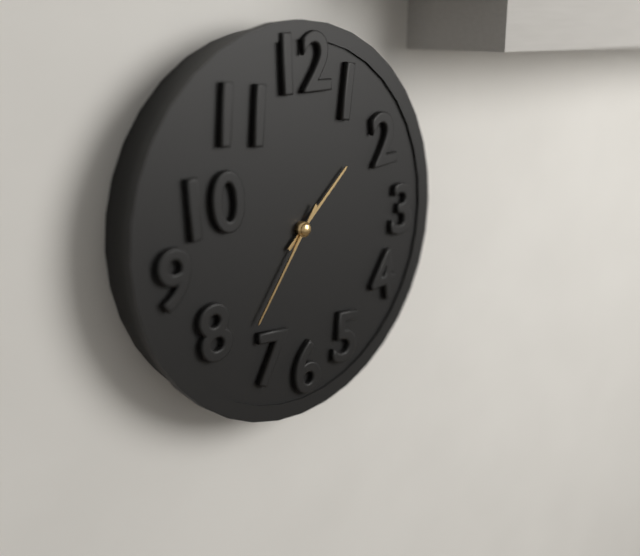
1 h 36 min
